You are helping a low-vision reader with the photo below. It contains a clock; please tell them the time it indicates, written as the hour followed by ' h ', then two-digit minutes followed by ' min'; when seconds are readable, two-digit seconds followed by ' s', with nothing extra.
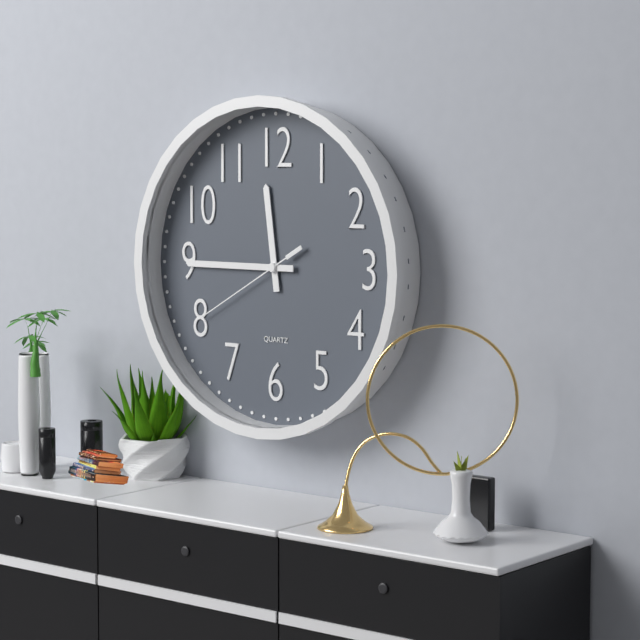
11 h 45 min 40 s
